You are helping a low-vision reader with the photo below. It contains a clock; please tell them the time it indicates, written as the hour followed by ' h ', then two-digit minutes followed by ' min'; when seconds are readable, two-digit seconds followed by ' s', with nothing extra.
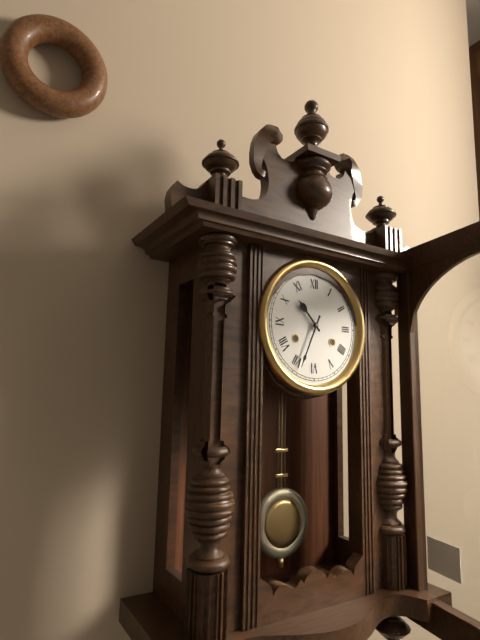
10 h 34 min
